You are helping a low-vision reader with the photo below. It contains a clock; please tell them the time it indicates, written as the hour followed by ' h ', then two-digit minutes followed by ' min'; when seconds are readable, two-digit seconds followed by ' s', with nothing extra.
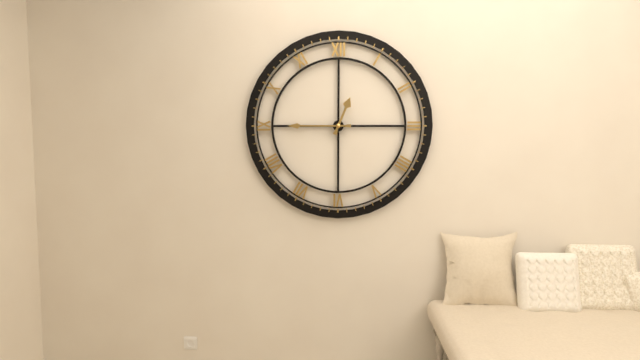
12 h 45 min
